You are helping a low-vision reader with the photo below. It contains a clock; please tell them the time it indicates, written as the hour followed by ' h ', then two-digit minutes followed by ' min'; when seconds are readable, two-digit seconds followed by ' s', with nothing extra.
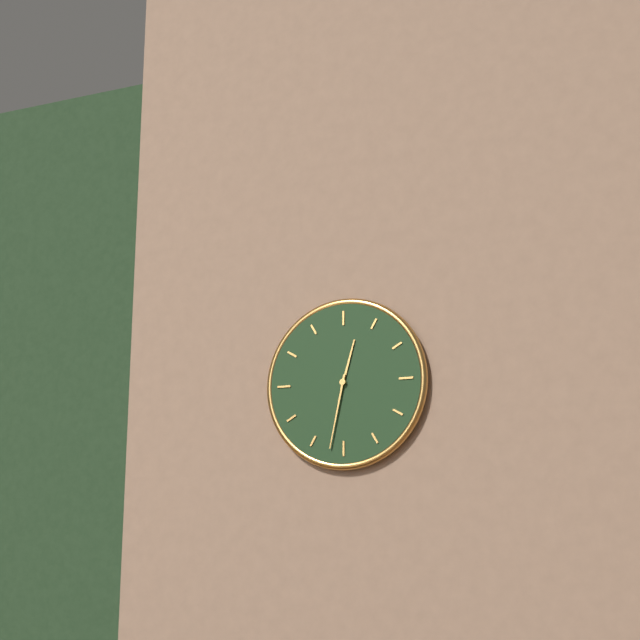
12 h 32 min
